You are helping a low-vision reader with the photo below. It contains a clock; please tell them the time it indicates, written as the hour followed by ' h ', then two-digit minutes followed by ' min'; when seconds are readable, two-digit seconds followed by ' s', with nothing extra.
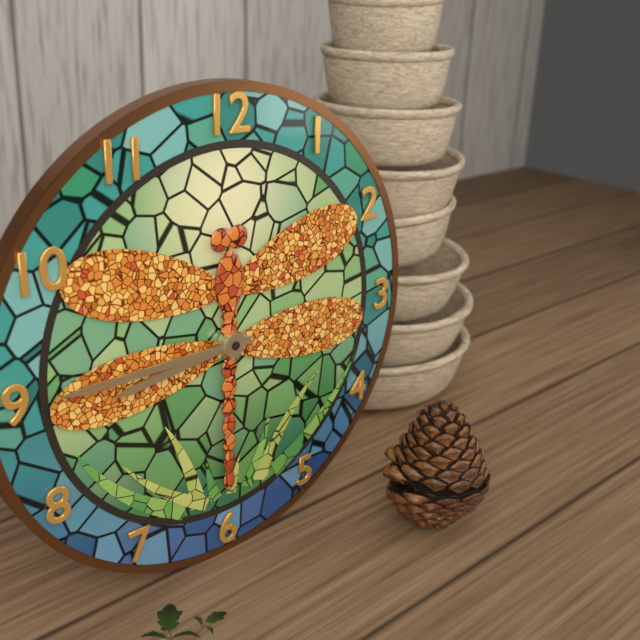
8 h 45 min
